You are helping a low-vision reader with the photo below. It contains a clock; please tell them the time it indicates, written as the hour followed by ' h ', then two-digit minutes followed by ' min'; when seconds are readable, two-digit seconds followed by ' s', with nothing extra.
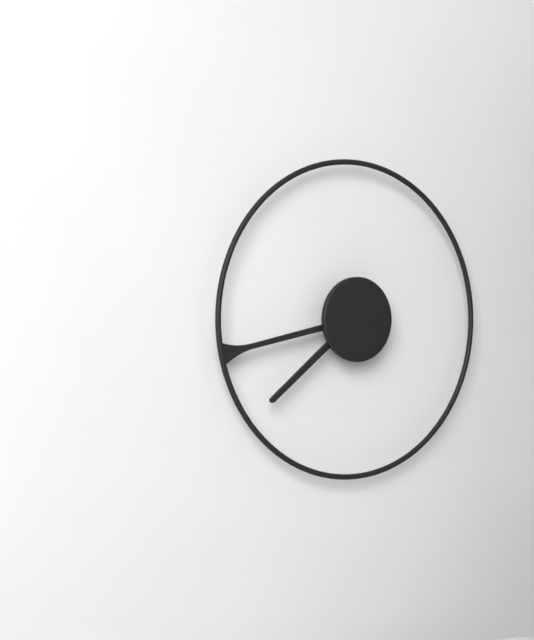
7 h 43 min
